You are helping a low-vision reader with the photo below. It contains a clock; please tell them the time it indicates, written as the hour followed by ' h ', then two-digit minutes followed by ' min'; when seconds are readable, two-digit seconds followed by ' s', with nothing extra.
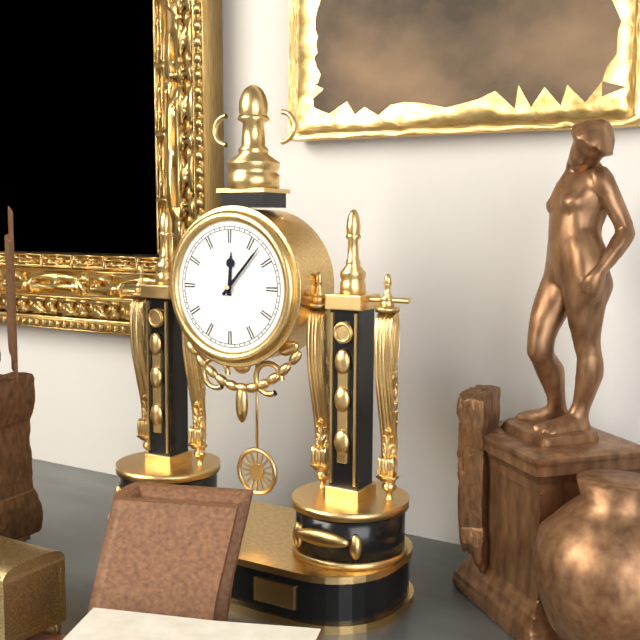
12 h 07 min
